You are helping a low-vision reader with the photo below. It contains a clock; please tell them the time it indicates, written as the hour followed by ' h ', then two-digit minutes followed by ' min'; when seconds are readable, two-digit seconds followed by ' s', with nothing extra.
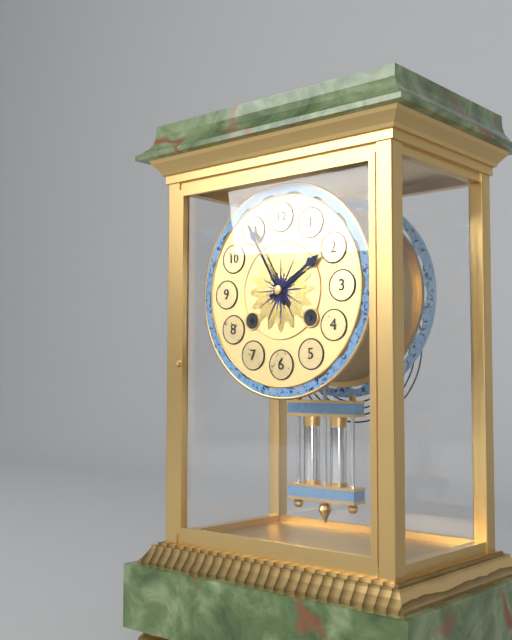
1 h 55 min
